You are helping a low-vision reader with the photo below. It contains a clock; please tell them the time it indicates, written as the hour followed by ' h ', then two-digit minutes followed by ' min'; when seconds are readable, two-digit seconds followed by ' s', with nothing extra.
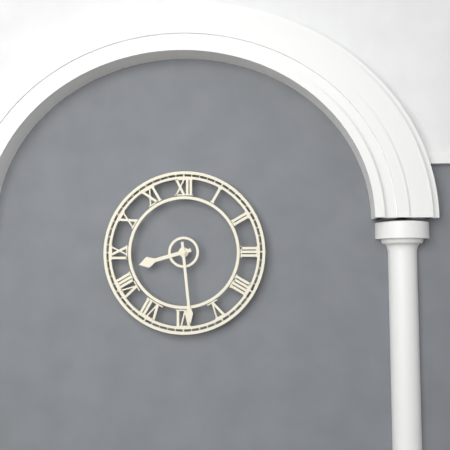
8 h 29 min
